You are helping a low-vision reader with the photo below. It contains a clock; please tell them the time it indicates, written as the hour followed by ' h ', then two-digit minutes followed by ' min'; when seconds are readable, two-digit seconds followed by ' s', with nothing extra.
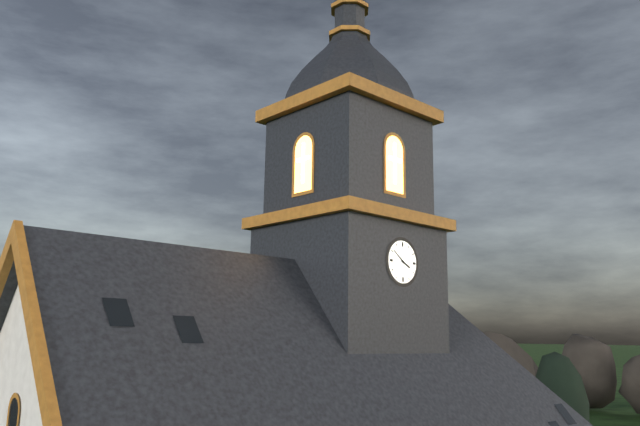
3 h 51 min
